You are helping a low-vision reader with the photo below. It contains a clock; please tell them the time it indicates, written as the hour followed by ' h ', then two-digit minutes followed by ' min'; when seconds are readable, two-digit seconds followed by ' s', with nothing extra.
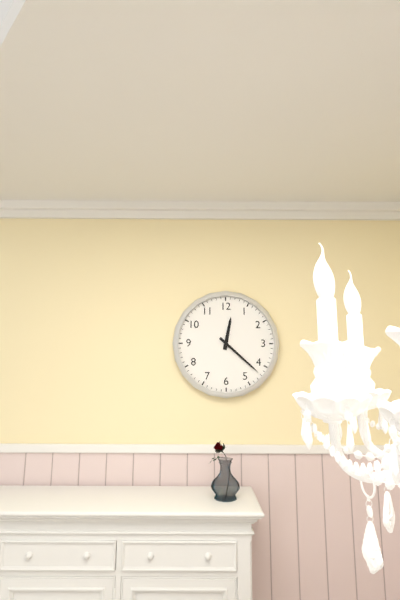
12 h 22 min
